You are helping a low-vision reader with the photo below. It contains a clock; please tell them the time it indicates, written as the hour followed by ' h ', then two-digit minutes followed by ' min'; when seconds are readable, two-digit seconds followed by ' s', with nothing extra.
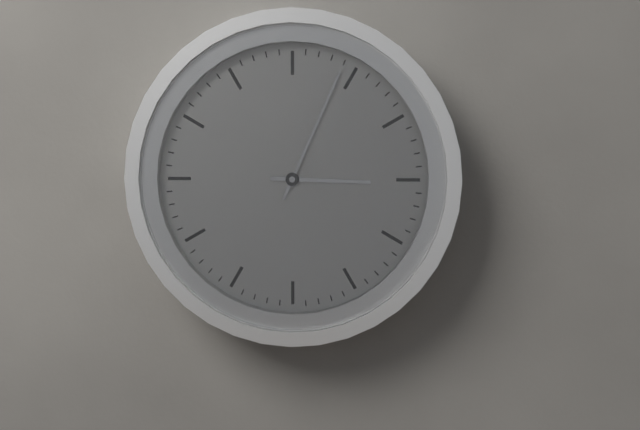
3 h 04 min
